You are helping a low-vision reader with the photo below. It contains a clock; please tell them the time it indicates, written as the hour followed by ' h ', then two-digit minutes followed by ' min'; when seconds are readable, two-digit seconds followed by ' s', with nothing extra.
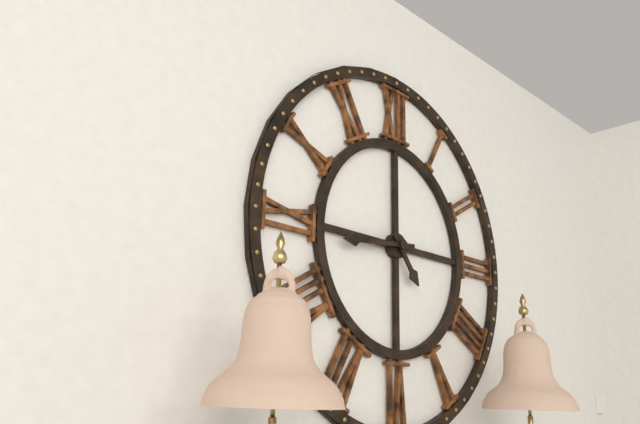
4 h 44 min
